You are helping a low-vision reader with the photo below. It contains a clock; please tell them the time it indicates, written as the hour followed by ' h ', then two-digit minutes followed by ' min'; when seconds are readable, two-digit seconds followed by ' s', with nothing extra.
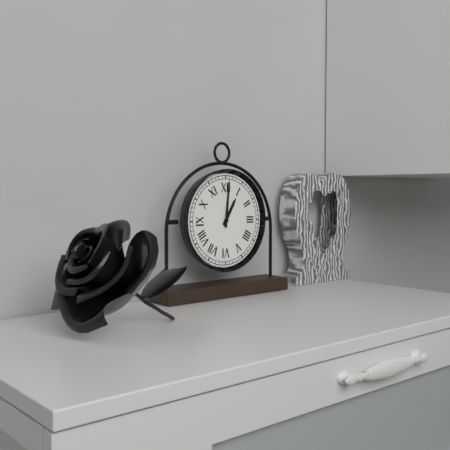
1 h 01 min
